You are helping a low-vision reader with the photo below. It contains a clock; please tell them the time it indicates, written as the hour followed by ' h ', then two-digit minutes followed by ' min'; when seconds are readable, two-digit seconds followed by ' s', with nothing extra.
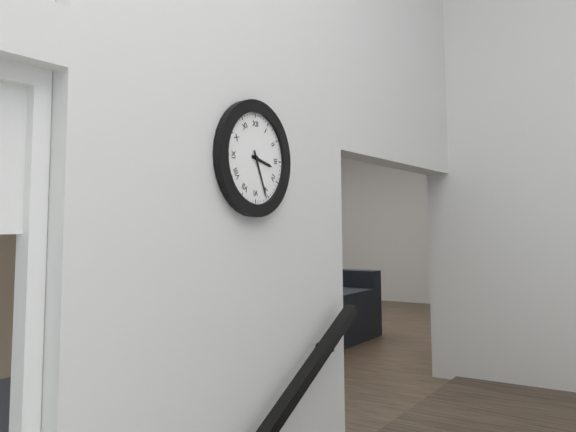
3 h 26 min
